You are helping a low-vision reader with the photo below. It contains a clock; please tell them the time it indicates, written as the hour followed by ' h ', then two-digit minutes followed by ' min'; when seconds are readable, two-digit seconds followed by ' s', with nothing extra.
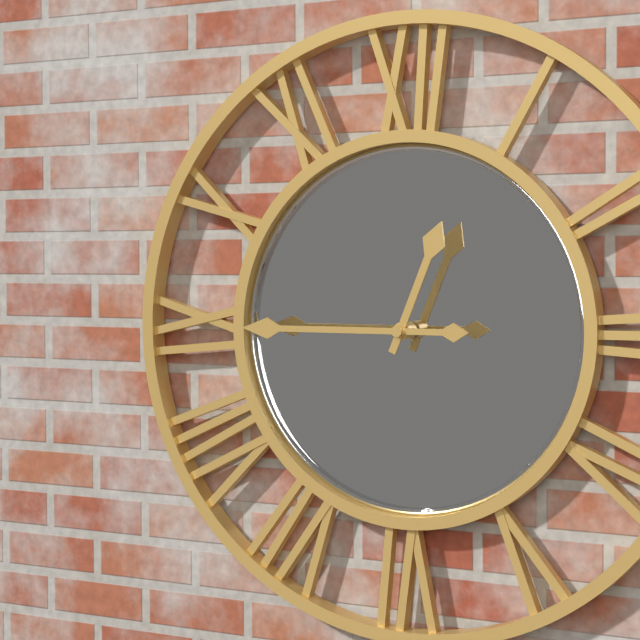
12 h 45 min
